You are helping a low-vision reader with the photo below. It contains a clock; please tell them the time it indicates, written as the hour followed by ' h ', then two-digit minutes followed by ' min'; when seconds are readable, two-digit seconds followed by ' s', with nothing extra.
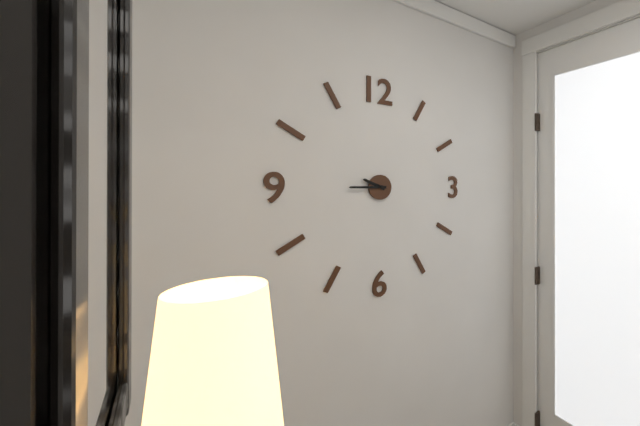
9 h 45 min
